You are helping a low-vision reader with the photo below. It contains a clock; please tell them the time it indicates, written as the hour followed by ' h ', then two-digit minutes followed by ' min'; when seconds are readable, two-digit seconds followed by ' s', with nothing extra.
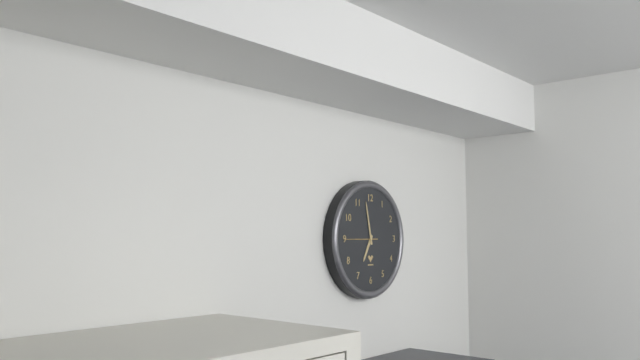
6 h 58 min
